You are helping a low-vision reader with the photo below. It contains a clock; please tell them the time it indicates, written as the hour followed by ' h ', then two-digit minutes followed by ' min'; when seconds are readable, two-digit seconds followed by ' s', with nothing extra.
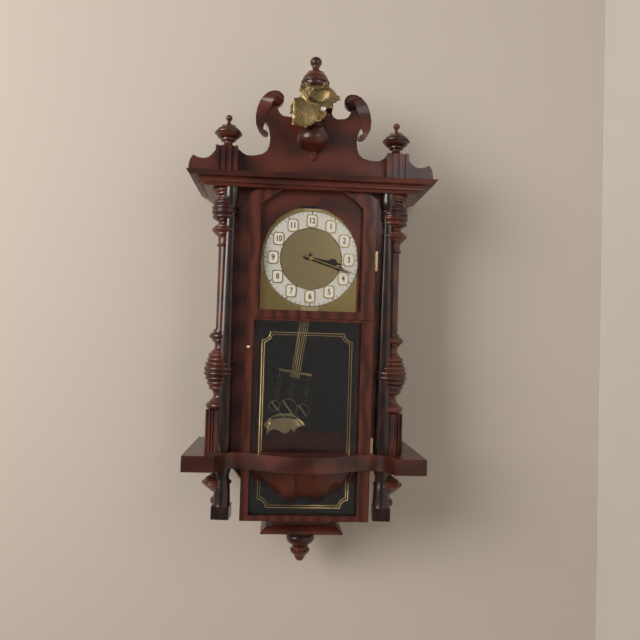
3 h 18 min 18 s
